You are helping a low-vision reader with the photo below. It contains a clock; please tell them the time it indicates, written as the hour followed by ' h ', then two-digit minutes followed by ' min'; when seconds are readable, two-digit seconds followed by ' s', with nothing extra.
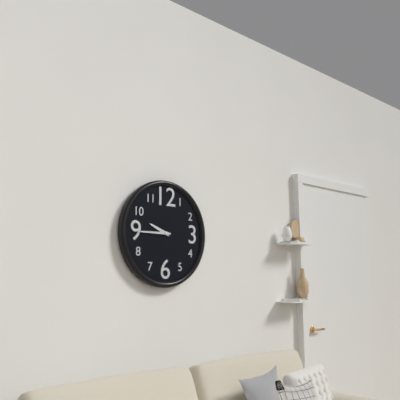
9 h 45 min
